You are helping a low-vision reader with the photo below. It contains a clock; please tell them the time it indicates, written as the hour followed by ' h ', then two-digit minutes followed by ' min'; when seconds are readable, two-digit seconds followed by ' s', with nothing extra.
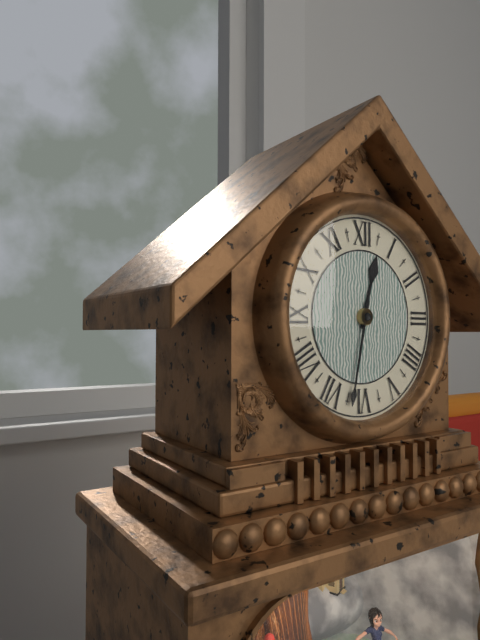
12 h 32 min
